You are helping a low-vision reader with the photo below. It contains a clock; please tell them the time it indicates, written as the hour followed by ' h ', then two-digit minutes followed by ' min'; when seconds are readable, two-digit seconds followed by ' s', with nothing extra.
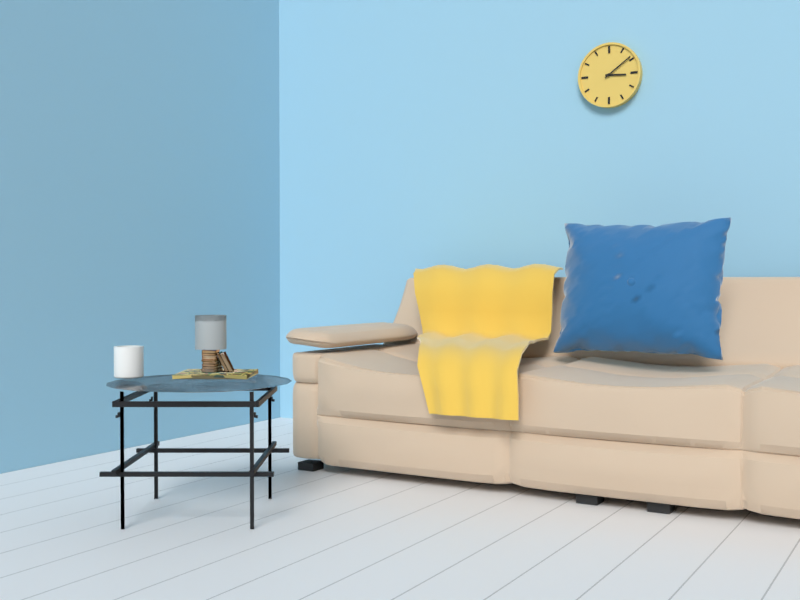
3 h 09 min
